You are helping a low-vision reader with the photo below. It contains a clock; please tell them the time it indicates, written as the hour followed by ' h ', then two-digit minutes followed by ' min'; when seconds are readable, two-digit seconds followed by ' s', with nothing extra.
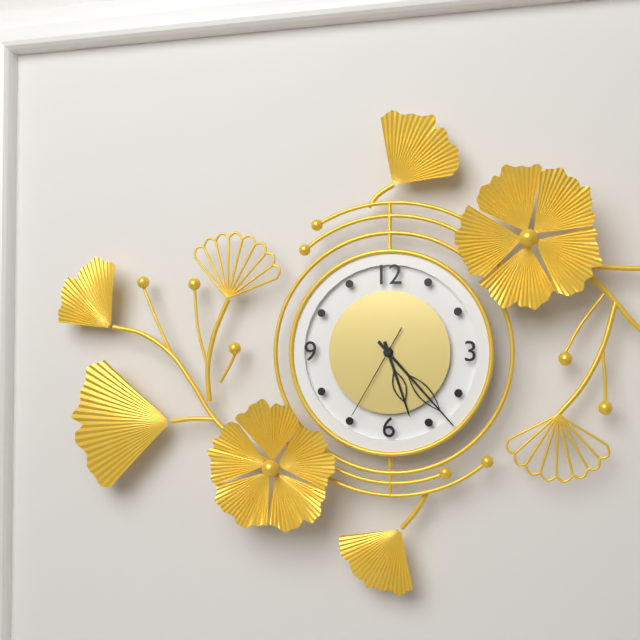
5 h 23 min 35 s
